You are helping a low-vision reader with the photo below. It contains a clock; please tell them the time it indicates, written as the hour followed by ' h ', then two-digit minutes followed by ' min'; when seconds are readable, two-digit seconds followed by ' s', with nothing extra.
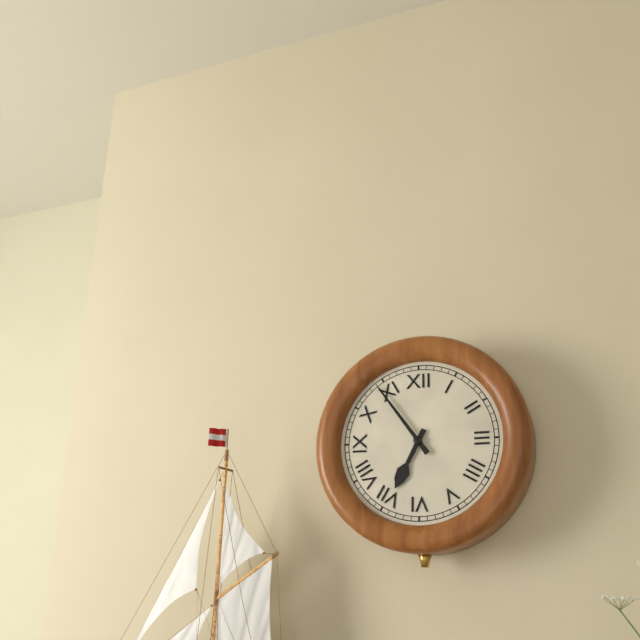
6 h 54 min
